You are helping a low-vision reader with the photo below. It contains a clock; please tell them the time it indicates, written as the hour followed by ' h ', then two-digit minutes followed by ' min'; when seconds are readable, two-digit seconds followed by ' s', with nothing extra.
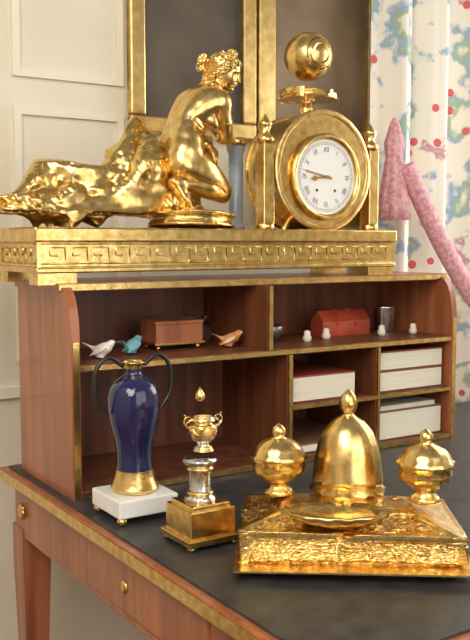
8 h 47 min
